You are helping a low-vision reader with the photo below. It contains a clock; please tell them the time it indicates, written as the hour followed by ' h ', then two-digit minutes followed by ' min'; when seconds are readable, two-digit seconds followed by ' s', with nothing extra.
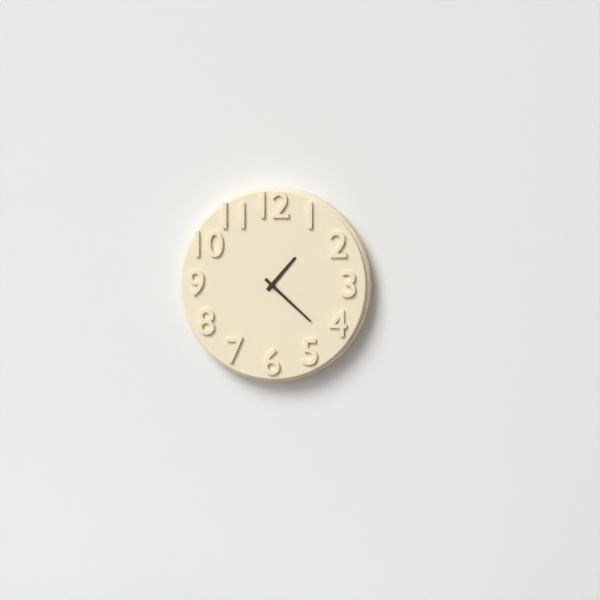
1 h 22 min
